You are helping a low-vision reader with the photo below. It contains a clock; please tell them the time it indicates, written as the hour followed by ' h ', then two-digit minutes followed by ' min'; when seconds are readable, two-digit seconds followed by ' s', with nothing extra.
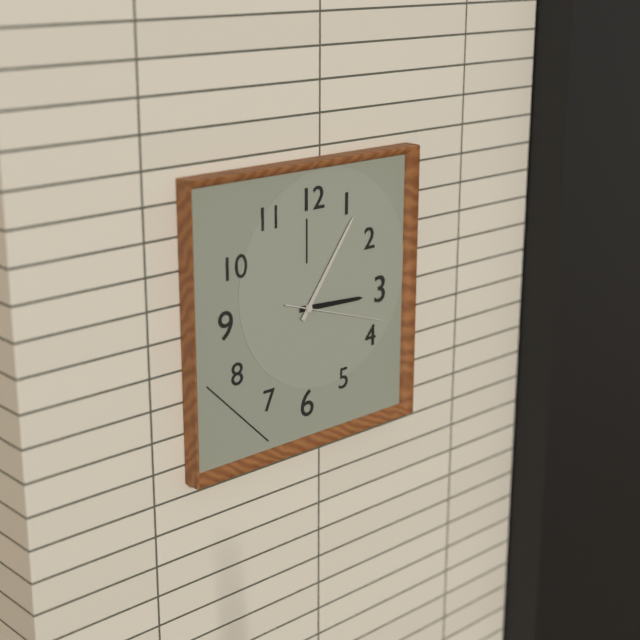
3 h 06 min 18 s
